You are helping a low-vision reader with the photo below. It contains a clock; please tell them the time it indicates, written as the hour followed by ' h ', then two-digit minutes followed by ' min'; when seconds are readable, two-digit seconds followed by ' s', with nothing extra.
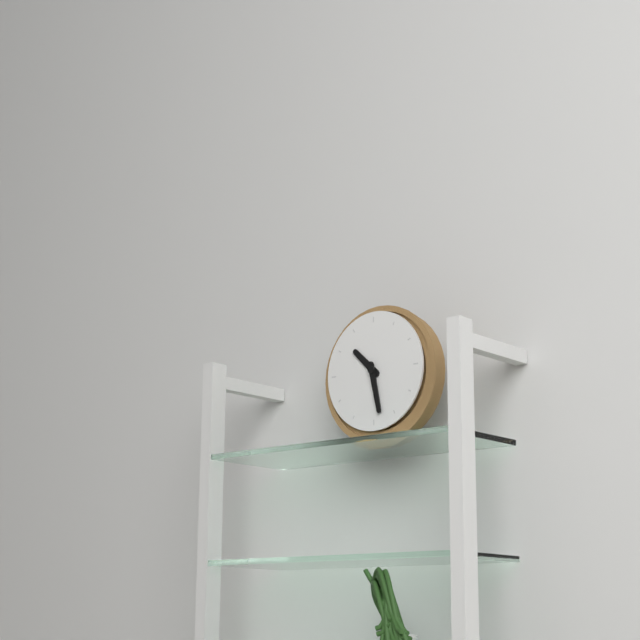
10 h 28 min
